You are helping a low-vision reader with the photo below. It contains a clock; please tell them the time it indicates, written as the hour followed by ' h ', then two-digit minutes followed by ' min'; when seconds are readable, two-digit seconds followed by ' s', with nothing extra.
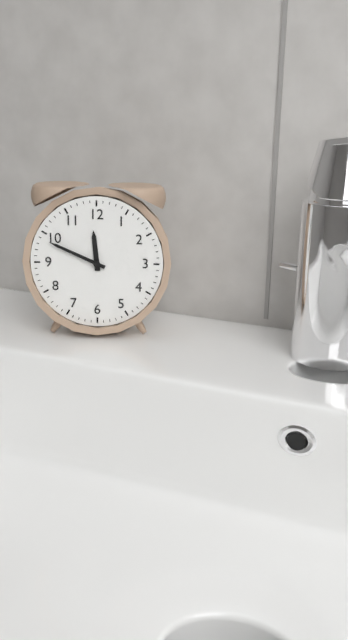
11 h 49 min
